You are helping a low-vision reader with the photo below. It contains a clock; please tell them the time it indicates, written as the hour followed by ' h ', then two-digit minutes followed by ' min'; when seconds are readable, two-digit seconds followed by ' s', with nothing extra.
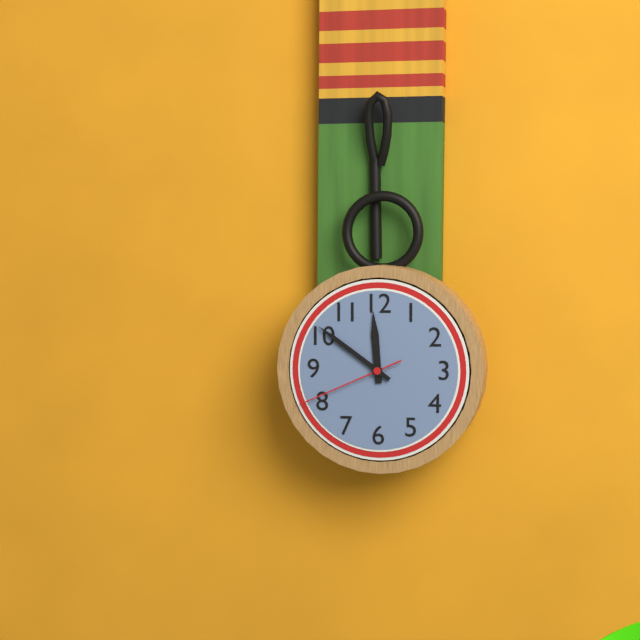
11 h 51 min 41 s
